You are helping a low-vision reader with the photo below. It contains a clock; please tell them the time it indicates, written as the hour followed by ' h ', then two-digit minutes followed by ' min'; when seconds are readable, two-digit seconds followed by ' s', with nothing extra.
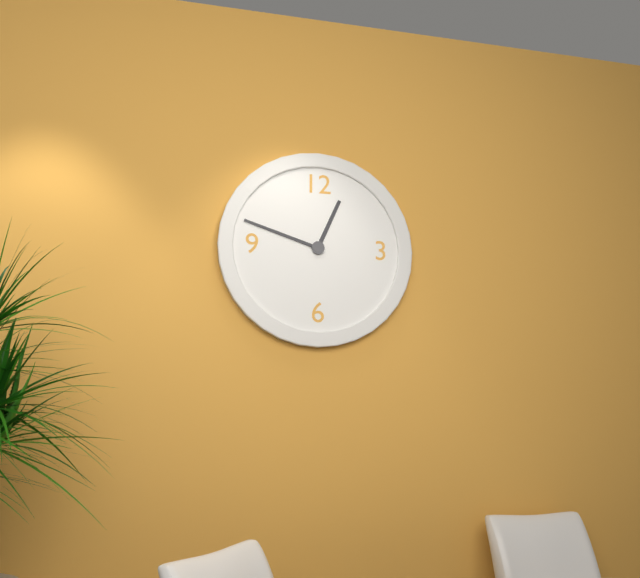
12 h 48 min
